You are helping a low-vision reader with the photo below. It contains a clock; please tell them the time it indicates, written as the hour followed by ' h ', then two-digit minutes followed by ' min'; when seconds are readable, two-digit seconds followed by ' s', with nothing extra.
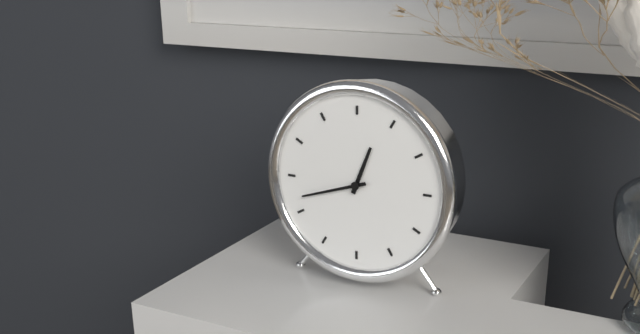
12 h 42 min
